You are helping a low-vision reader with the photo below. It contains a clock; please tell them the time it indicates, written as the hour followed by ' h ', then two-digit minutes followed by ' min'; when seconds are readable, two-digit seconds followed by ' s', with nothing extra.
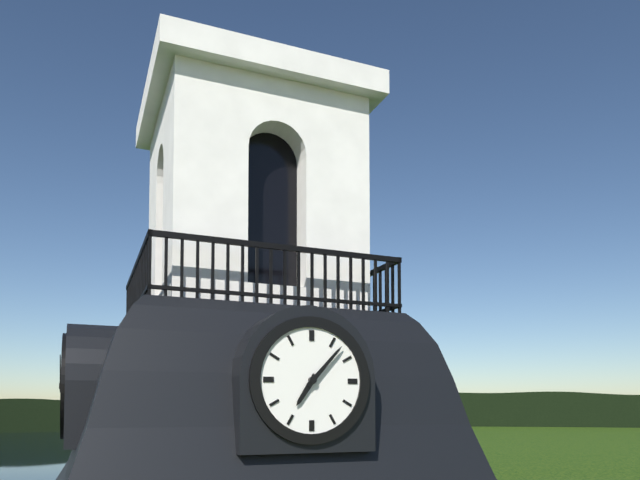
7 h 07 min
